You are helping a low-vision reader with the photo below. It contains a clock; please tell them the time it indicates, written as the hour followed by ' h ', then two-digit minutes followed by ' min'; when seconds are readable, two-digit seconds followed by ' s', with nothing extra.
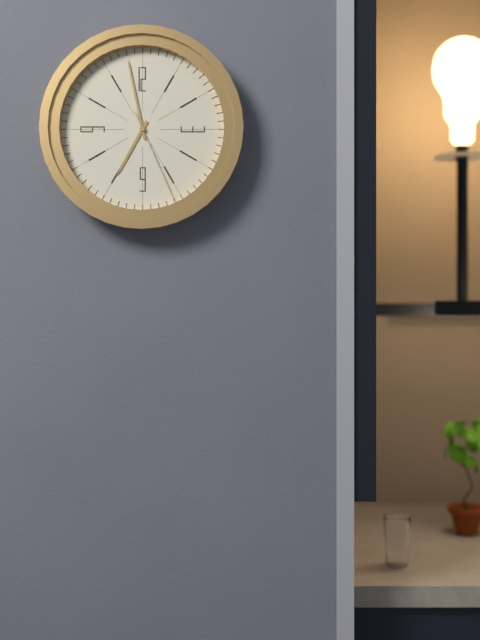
6 h 58 min 26 s
